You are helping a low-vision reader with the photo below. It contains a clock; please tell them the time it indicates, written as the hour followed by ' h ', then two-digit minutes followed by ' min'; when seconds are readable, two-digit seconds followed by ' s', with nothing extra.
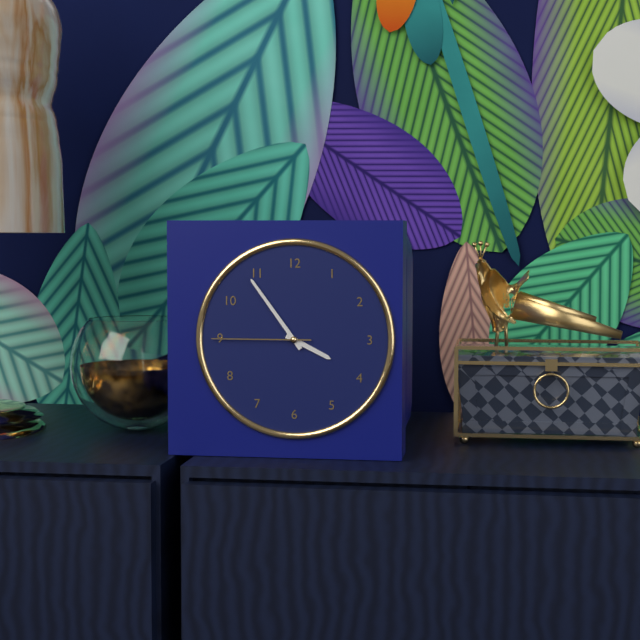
3 h 54 min 45 s
